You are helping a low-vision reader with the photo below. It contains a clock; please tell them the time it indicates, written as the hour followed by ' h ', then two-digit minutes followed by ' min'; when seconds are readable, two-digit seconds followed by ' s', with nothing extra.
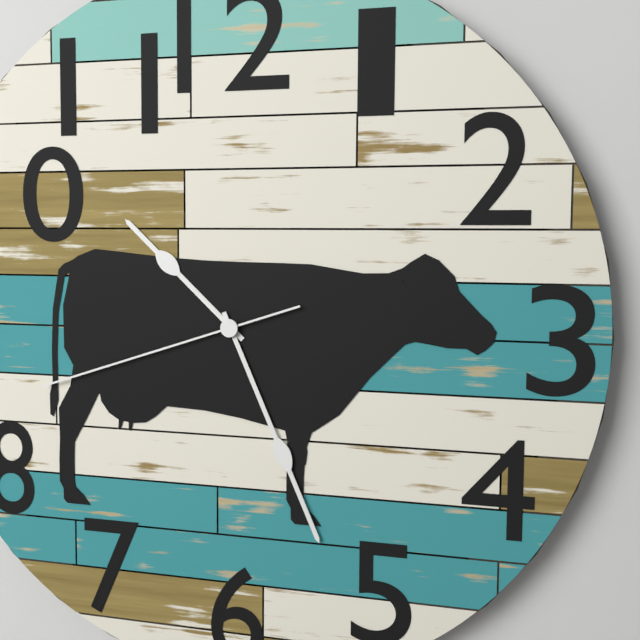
10 h 26 min 42 s
